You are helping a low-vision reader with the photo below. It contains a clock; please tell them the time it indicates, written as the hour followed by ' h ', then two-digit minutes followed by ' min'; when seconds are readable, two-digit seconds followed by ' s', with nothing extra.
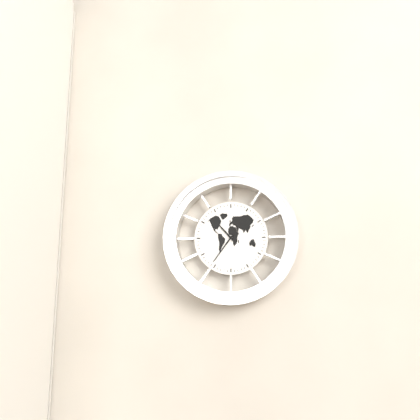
10 h 36 min
